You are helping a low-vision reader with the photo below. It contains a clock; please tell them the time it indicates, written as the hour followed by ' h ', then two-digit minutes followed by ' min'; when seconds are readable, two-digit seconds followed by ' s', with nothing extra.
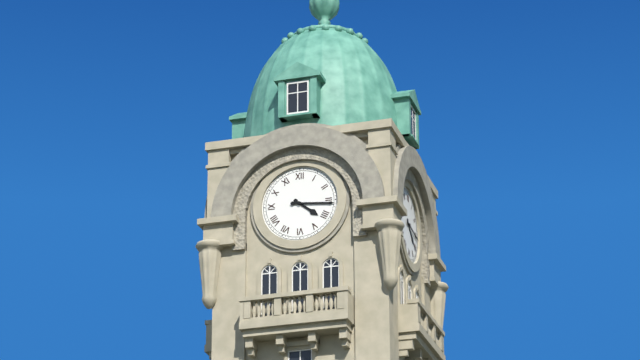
4 h 16 min
